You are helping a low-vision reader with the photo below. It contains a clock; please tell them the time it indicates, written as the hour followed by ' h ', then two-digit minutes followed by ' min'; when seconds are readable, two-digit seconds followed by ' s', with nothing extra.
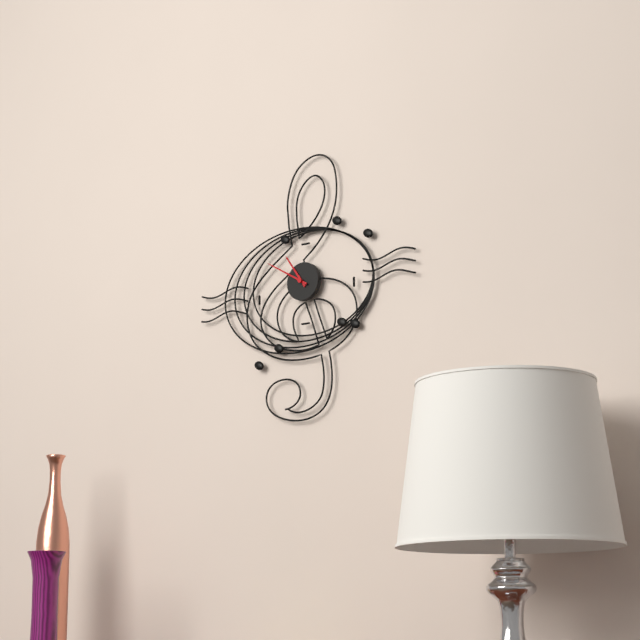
10 h 50 min
